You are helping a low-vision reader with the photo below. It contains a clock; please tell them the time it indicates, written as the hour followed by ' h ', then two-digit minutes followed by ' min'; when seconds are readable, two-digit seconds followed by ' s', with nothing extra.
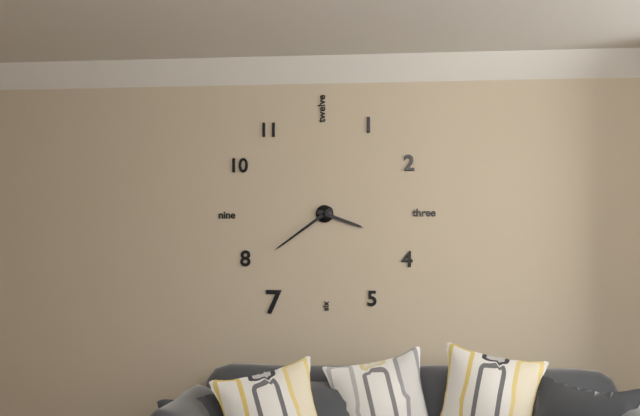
3 h 39 min
